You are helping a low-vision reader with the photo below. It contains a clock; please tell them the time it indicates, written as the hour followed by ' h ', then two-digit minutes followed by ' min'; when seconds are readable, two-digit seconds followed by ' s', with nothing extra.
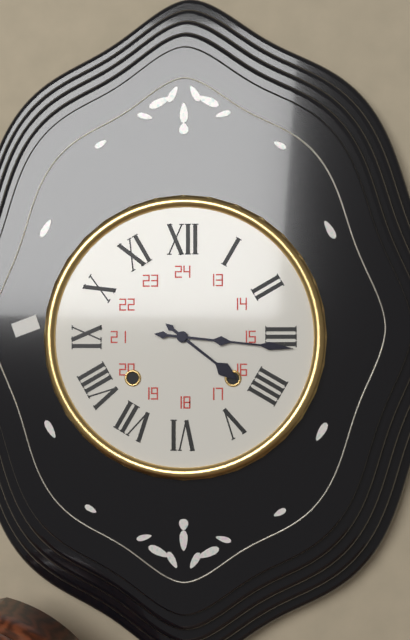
4 h 16 min
